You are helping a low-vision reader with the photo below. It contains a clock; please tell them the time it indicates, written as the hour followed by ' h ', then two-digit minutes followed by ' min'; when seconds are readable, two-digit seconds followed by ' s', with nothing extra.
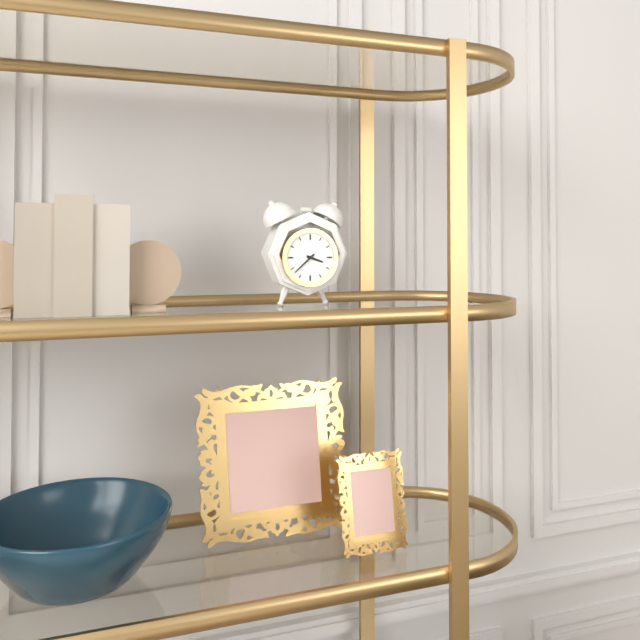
3 h 38 min
